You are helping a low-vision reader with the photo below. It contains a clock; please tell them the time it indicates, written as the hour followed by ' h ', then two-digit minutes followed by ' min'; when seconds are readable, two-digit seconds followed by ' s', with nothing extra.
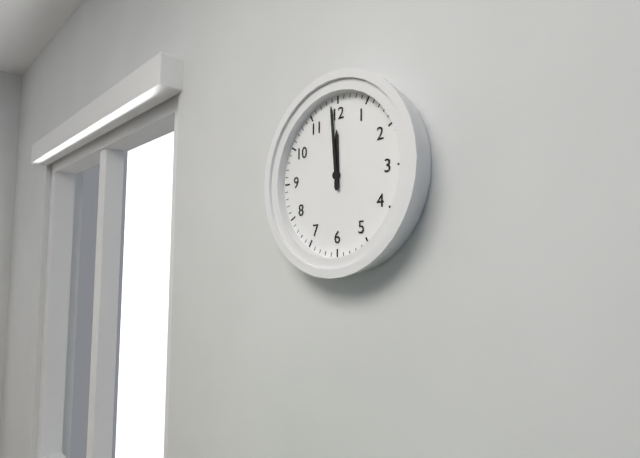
11 h 59 min
